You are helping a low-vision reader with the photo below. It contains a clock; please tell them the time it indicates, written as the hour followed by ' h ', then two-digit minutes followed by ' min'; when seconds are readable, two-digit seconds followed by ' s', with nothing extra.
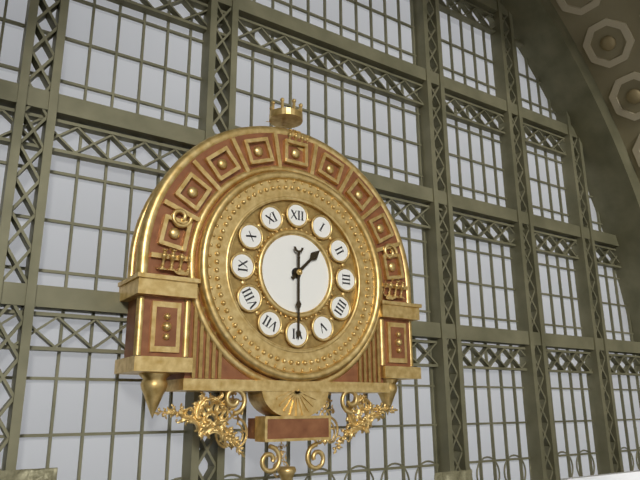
1 h 30 min
